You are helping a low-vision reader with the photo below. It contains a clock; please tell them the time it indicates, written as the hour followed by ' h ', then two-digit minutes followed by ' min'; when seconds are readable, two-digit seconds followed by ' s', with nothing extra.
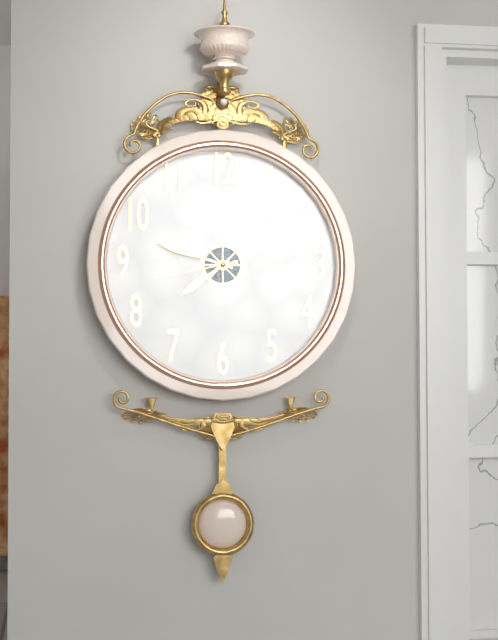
7 h 48 min 43 s
